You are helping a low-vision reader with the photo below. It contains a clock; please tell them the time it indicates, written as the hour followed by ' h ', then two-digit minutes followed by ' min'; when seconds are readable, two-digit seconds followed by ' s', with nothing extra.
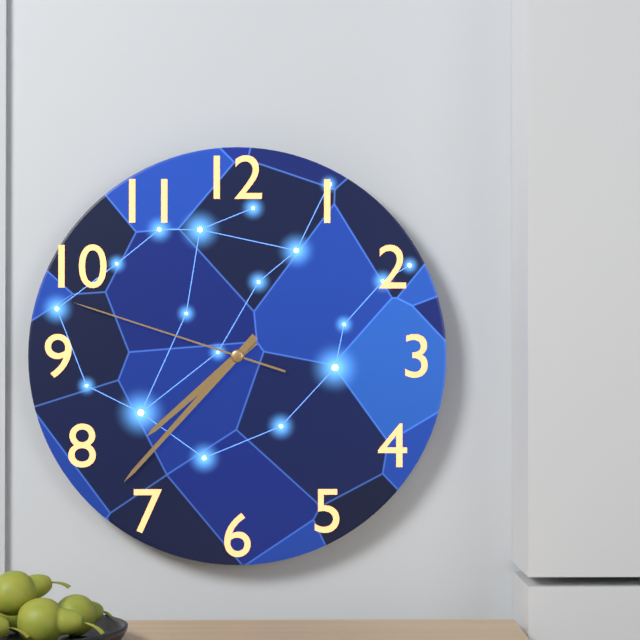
7 h 37 min 48 s
